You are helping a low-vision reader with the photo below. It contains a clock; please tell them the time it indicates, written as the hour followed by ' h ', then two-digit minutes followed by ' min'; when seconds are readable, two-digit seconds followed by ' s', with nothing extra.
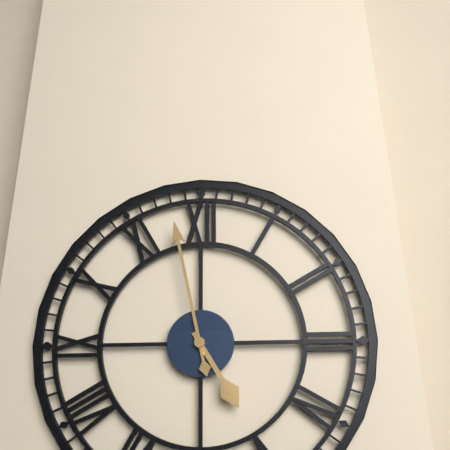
4 h 58 min
